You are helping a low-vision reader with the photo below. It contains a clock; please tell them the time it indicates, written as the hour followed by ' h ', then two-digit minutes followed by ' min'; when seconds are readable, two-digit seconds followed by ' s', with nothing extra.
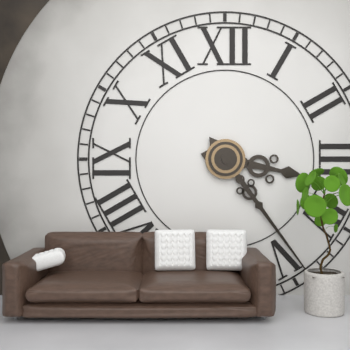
3 h 24 min
